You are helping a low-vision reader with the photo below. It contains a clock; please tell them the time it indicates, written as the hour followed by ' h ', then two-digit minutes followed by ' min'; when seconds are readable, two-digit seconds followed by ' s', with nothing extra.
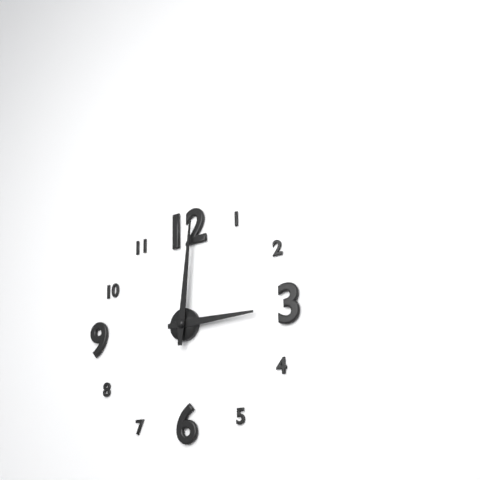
3 h 01 min
